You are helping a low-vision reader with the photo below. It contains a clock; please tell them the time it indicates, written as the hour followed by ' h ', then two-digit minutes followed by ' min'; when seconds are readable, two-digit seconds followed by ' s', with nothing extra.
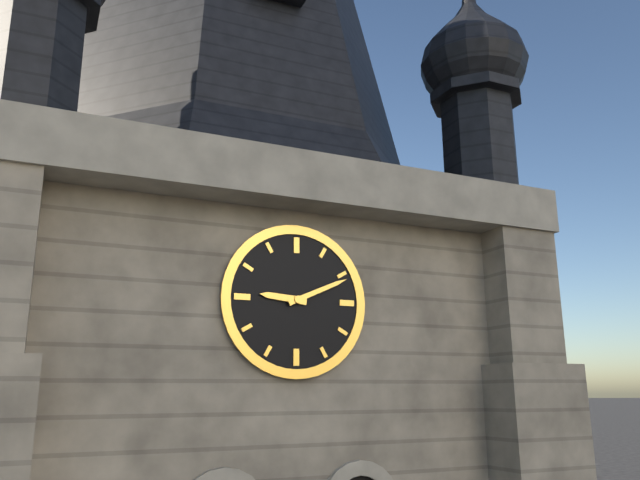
9 h 11 min
